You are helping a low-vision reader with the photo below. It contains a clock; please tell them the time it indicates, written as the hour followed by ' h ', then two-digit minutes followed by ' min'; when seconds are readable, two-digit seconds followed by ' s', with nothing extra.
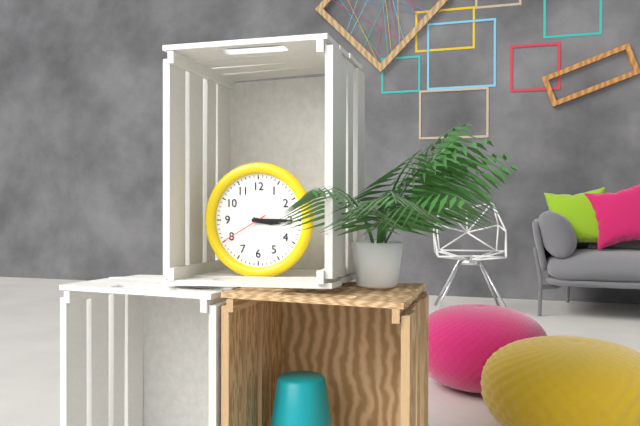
3 h 15 min
